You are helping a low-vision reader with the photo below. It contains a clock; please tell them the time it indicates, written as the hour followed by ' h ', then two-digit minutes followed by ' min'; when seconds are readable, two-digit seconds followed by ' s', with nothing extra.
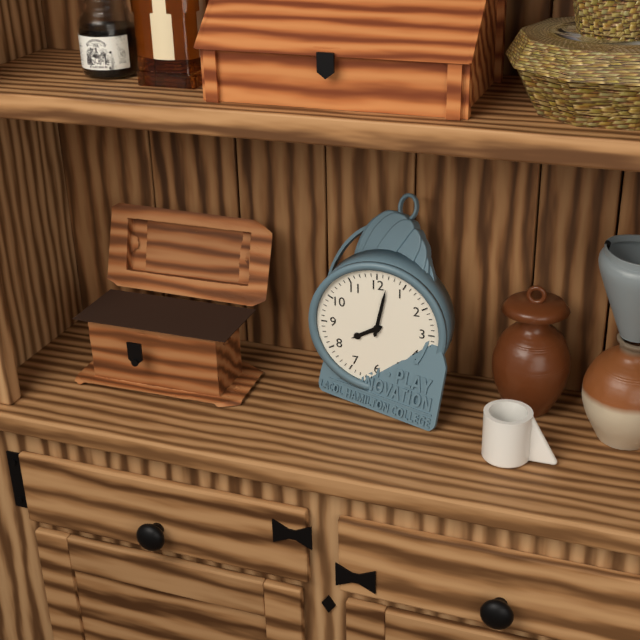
8 h 02 min
